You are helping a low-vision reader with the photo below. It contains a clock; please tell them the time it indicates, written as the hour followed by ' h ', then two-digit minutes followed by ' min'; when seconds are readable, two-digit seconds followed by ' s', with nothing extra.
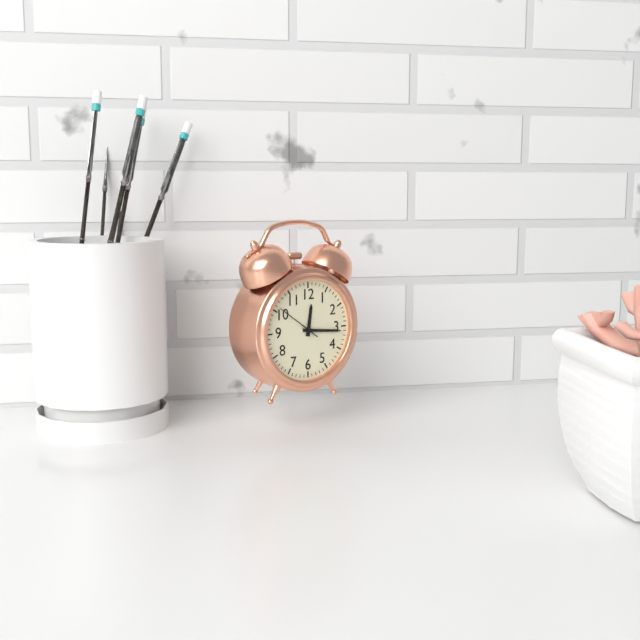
12 h 16 min
